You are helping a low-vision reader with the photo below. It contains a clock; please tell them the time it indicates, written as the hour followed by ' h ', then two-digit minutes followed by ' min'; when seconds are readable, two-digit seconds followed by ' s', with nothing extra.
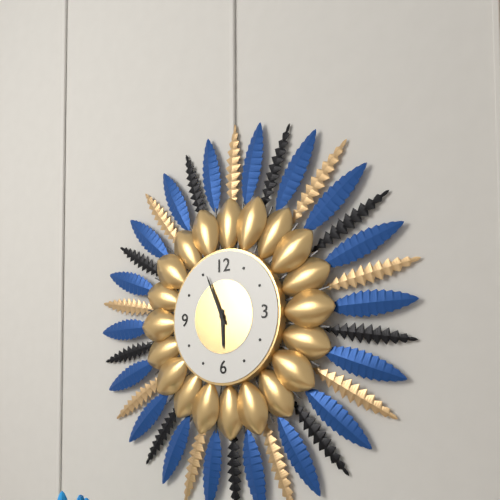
5 h 56 min
